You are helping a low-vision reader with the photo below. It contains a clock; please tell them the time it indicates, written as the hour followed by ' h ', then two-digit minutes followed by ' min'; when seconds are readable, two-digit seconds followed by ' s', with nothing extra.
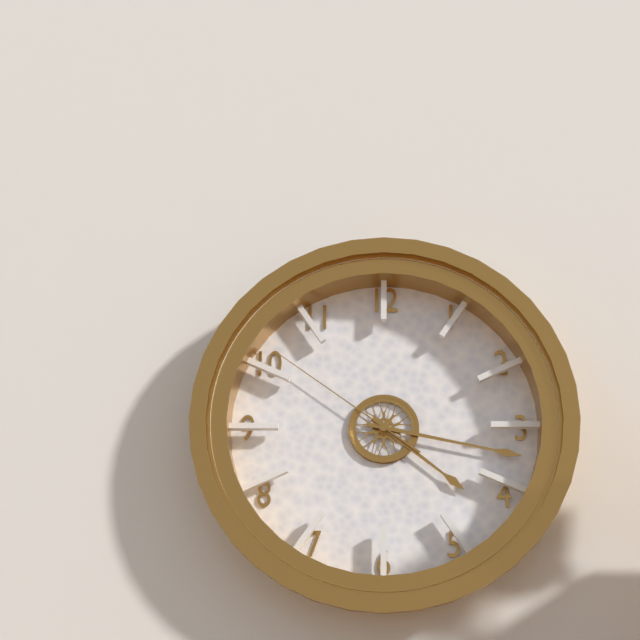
4 h 17 min 51 s
